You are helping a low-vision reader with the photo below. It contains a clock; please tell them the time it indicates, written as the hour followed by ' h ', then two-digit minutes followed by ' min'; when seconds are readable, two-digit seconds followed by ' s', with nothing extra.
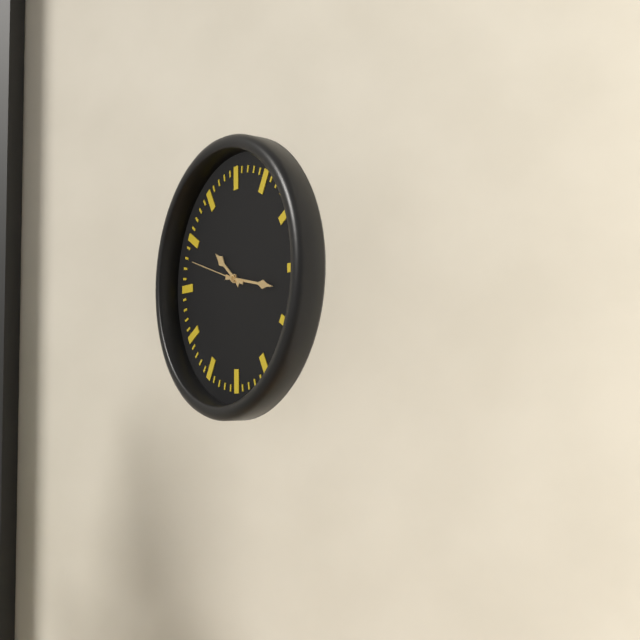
10 h 17 min 48 s
